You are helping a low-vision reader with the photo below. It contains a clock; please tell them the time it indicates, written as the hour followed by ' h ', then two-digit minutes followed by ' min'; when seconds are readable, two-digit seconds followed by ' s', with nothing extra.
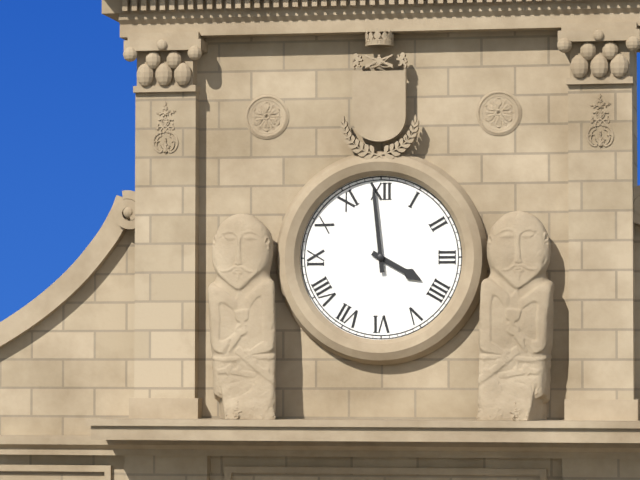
3 h 59 min
